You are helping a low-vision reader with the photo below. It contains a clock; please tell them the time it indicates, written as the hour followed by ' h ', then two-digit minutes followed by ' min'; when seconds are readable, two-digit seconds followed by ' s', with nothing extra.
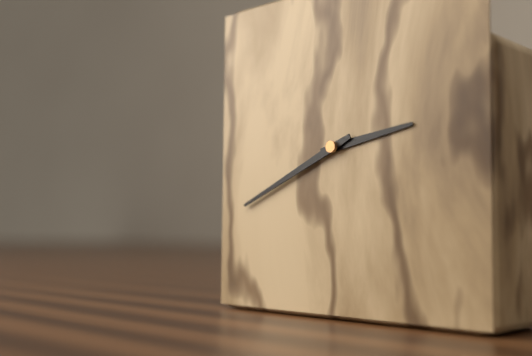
2 h 41 min
